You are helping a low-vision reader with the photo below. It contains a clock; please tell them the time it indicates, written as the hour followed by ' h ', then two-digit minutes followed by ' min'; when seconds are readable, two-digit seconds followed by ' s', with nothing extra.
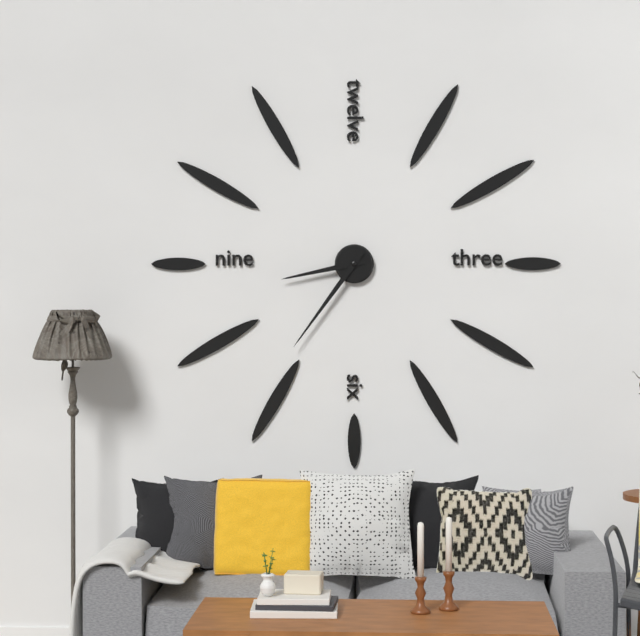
8 h 36 min
